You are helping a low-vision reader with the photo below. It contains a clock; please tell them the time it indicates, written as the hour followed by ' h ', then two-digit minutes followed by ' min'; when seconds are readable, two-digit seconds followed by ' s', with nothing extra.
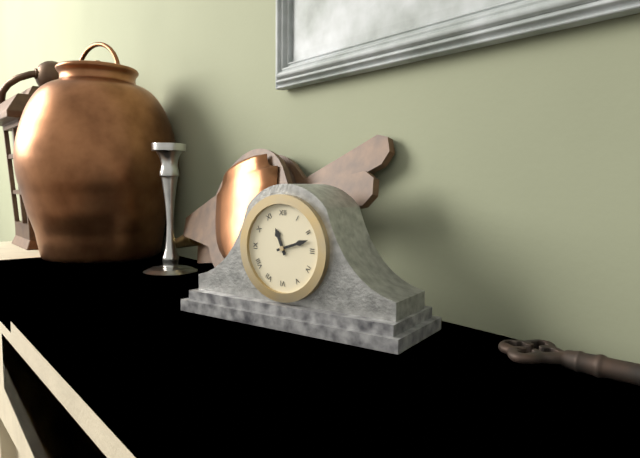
11 h 12 min
